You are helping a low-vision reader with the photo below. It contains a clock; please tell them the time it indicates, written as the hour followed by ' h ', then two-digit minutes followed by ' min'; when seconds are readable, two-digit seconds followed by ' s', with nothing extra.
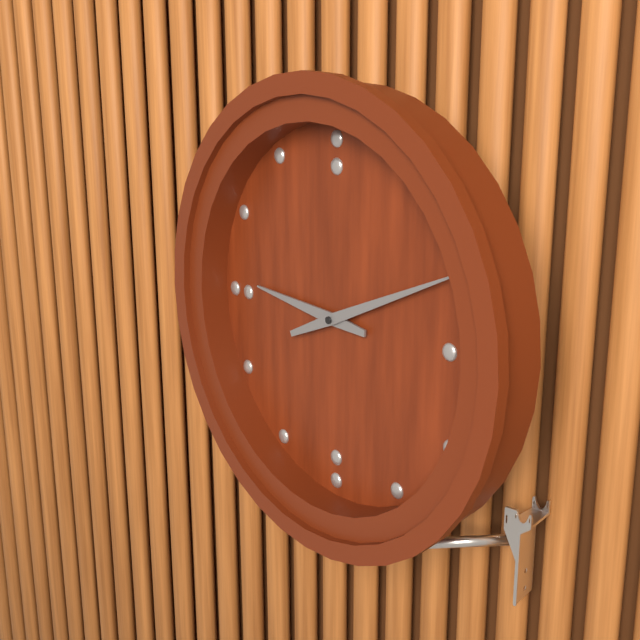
9 h 11 min
